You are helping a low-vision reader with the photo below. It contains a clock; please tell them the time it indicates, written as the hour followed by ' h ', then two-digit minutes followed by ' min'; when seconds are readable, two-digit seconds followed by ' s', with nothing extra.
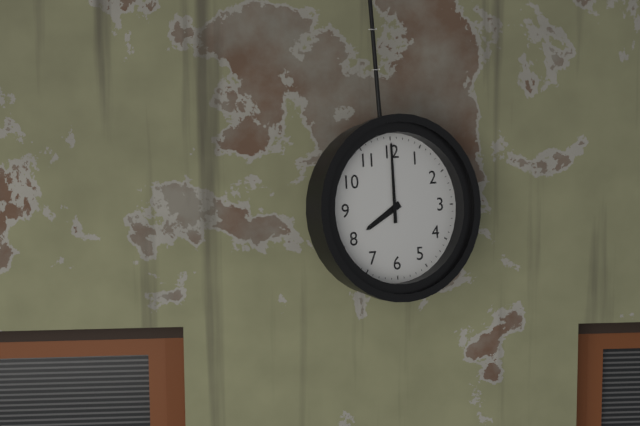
8 h 00 min
